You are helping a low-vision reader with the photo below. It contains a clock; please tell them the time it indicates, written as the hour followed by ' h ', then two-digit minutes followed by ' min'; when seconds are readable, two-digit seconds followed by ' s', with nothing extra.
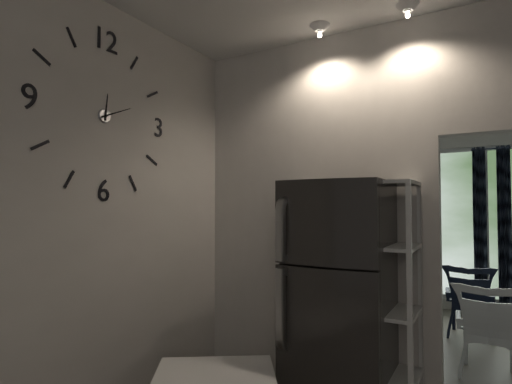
12 h 11 min
